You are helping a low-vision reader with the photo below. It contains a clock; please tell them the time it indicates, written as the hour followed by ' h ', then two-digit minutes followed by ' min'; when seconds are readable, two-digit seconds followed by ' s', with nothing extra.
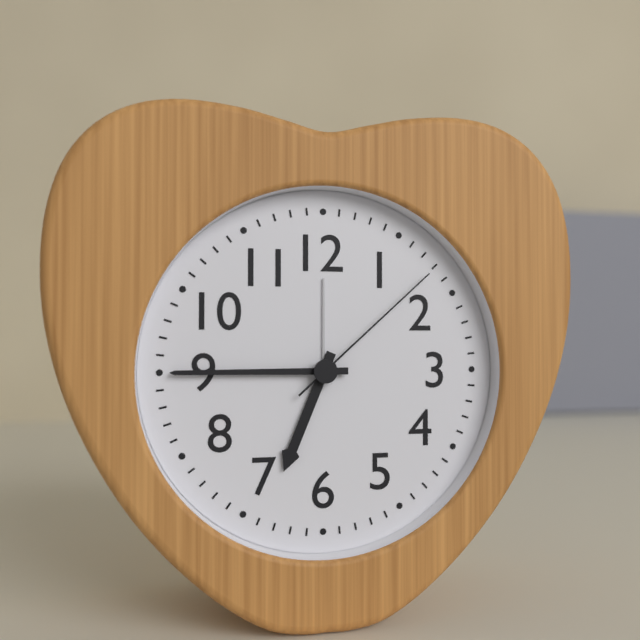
6 h 45 min 08 s
